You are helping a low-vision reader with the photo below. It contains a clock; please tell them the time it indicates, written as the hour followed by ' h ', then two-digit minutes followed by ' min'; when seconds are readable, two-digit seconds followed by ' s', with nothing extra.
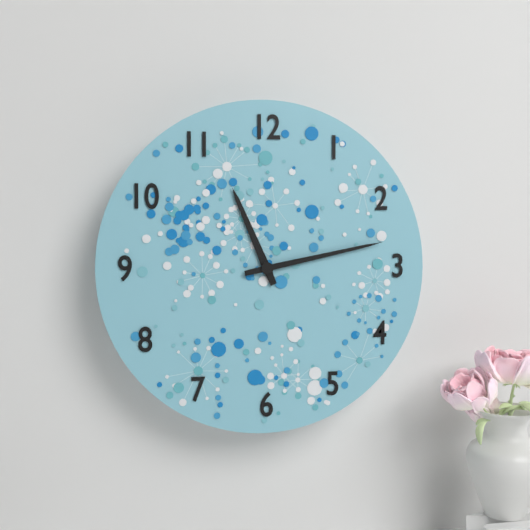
11 h 13 min
